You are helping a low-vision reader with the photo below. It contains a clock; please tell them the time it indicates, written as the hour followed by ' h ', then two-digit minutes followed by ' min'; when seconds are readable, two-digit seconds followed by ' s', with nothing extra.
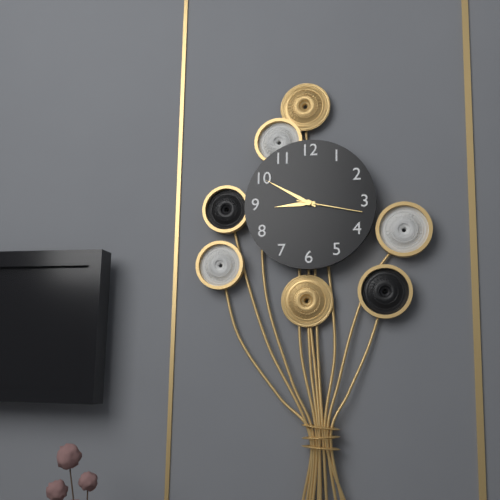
8 h 50 min 17 s
